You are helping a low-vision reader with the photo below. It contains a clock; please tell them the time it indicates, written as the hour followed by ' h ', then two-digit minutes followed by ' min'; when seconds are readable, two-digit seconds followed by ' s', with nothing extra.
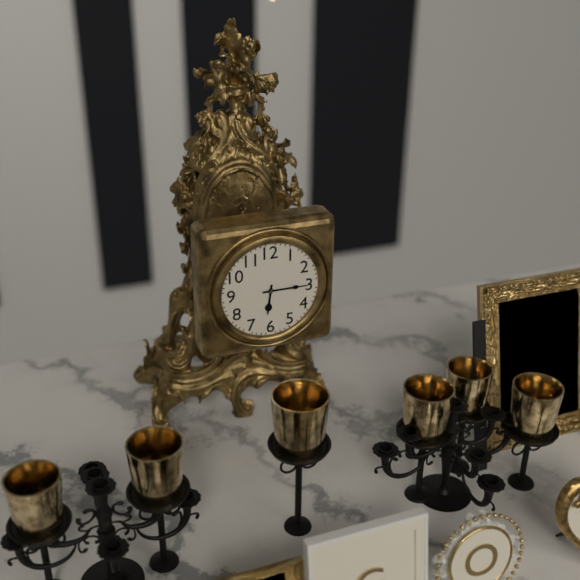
6 h 15 min
